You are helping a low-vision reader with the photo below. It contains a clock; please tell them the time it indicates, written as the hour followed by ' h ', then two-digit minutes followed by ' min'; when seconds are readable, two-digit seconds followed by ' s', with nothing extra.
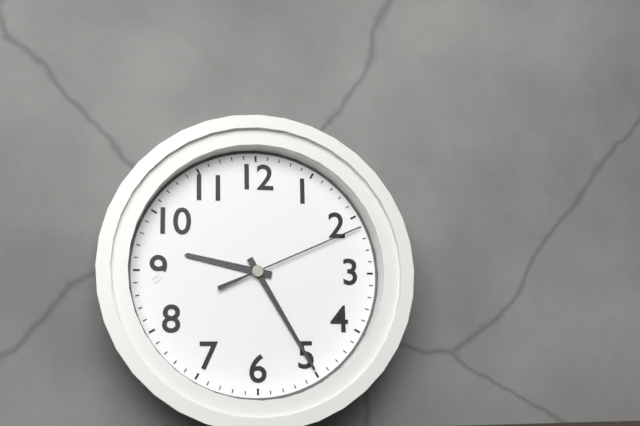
9 h 25 min 11 s
